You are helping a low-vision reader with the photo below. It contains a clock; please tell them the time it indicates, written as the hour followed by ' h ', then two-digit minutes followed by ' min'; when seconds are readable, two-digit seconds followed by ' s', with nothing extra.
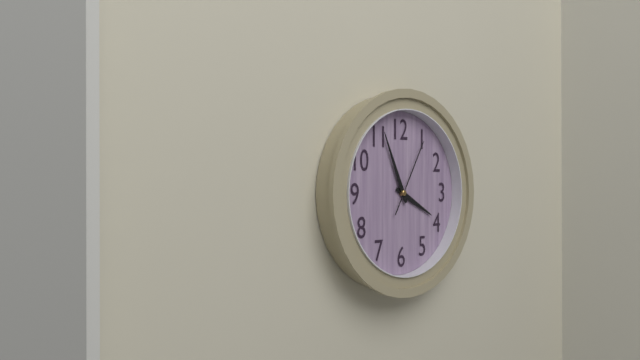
3 h 56 min 05 s
